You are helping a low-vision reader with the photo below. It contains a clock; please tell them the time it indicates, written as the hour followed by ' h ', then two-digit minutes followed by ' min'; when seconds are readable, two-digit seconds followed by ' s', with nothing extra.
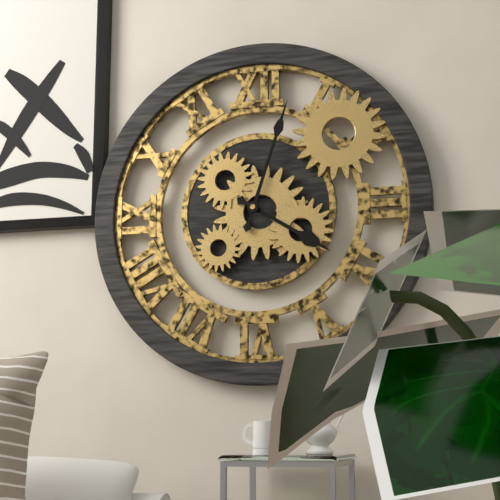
4 h 03 min
